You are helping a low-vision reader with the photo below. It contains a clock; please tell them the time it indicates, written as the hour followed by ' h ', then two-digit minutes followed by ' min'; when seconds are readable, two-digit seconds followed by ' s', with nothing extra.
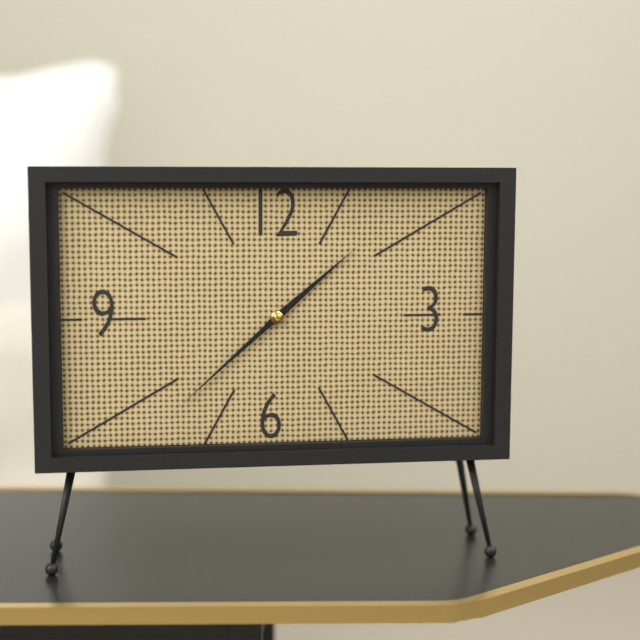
1 h 38 min
